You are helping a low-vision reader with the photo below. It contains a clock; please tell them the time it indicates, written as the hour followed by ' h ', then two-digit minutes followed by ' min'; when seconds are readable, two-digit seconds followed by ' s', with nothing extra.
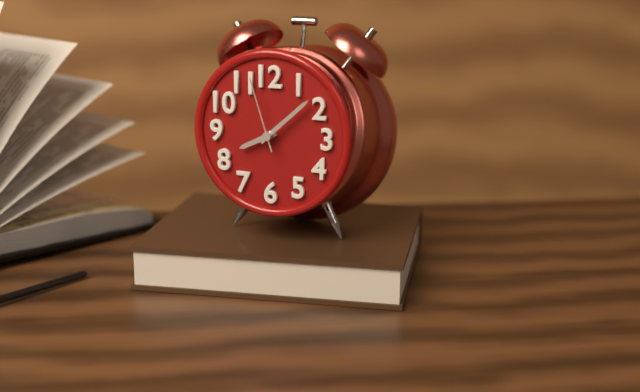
8 h 08 min 57 s
